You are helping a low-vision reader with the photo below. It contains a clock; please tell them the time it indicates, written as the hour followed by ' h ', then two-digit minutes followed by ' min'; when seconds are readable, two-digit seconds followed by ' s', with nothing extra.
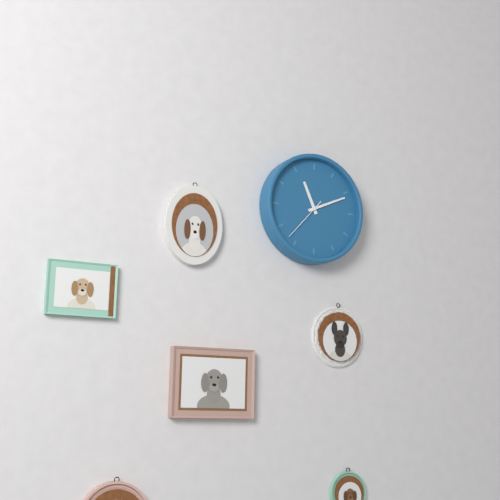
11 h 11 min
